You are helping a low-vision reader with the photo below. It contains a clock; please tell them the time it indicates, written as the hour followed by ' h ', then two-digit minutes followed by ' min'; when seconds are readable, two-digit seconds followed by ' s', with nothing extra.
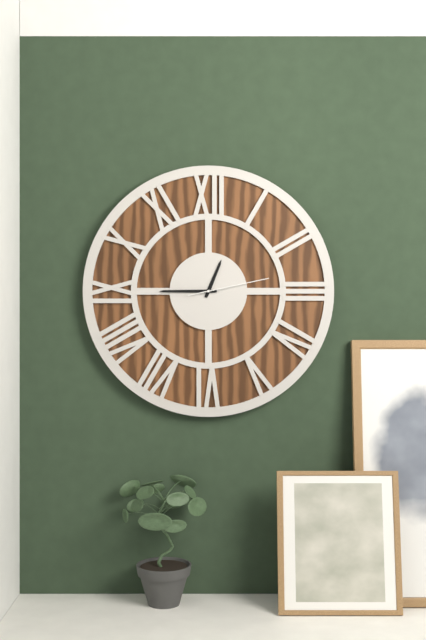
12 h 45 min 13 s
